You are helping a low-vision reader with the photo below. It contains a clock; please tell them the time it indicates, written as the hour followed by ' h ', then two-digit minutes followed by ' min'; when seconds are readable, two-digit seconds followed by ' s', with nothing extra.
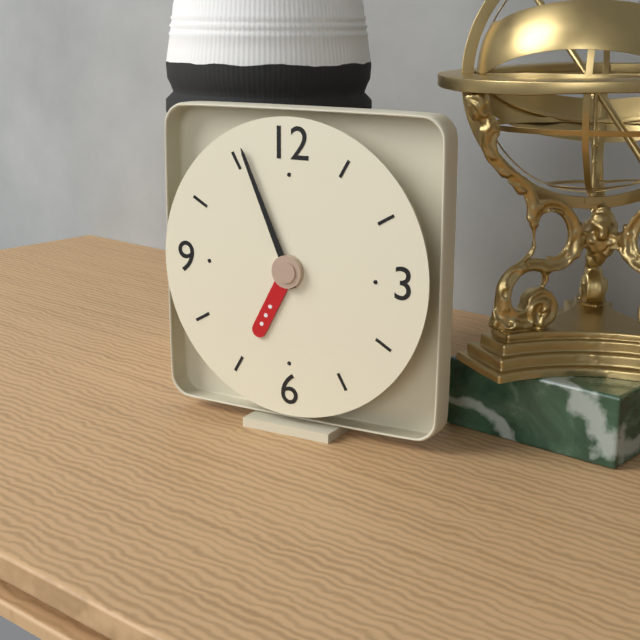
6 h 56 min
